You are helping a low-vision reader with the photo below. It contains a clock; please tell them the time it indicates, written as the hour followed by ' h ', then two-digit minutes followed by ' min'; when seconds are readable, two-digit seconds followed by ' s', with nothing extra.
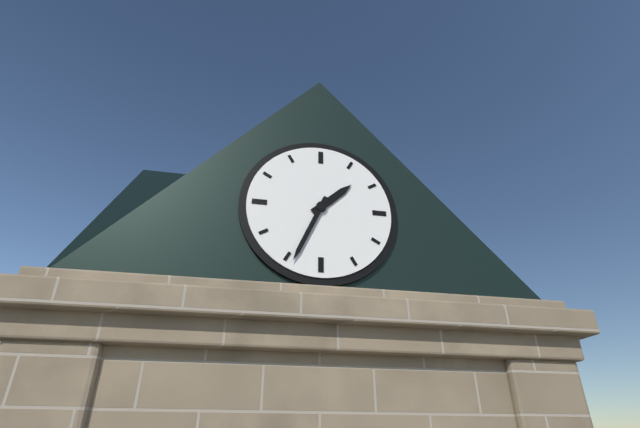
1 h 34 min
